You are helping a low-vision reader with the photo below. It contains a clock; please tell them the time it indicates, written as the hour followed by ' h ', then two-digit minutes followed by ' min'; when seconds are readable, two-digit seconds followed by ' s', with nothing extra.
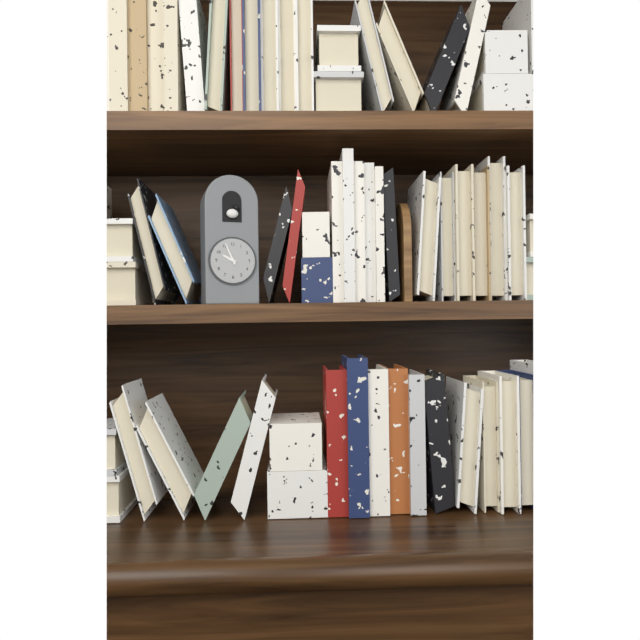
9 h 56 min
